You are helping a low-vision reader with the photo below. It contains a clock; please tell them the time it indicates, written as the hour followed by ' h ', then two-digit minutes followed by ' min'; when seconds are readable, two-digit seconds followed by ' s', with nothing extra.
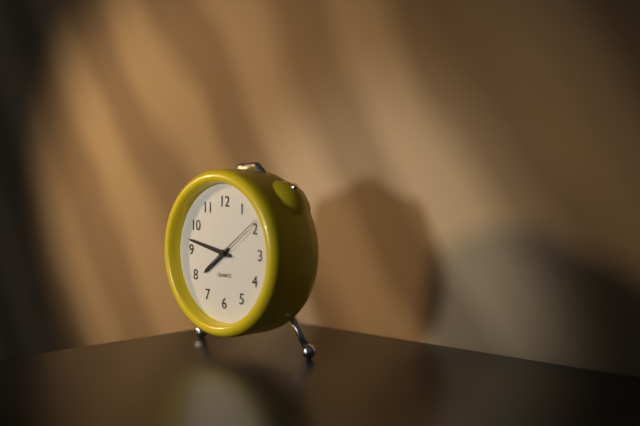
7 h 47 min
